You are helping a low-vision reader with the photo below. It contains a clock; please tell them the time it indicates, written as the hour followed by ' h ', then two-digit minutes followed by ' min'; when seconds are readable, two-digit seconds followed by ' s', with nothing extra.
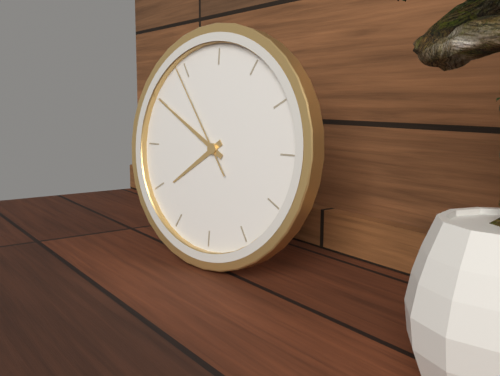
7 h 50 min 54 s
